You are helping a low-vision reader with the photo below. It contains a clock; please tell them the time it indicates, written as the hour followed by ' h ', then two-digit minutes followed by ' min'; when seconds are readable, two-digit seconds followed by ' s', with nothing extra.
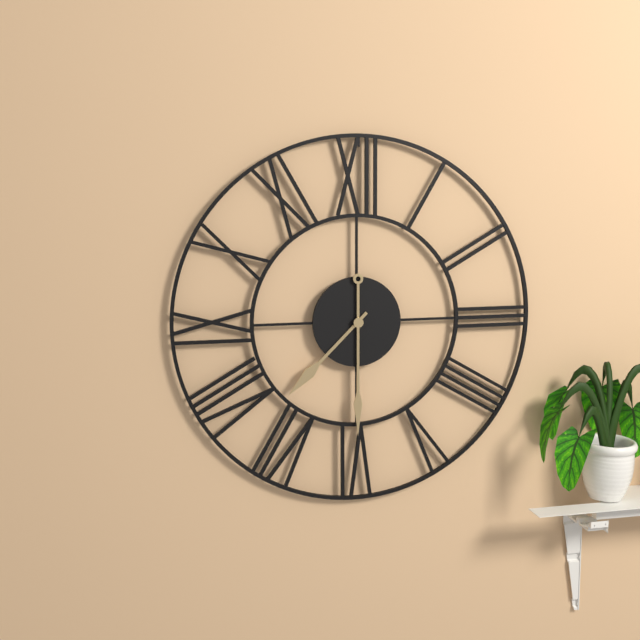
7 h 30 min
